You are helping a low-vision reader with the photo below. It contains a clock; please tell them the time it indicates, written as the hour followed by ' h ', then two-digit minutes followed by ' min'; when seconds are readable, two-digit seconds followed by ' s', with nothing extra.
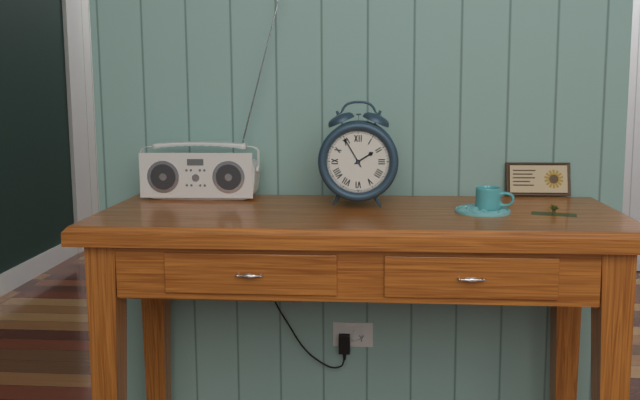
1 h 55 min
